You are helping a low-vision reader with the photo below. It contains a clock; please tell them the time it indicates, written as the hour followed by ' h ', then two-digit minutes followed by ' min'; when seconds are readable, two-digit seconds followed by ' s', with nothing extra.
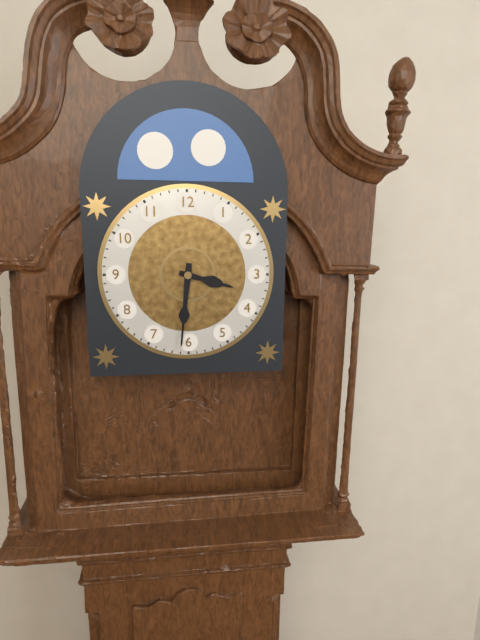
3 h 31 min
